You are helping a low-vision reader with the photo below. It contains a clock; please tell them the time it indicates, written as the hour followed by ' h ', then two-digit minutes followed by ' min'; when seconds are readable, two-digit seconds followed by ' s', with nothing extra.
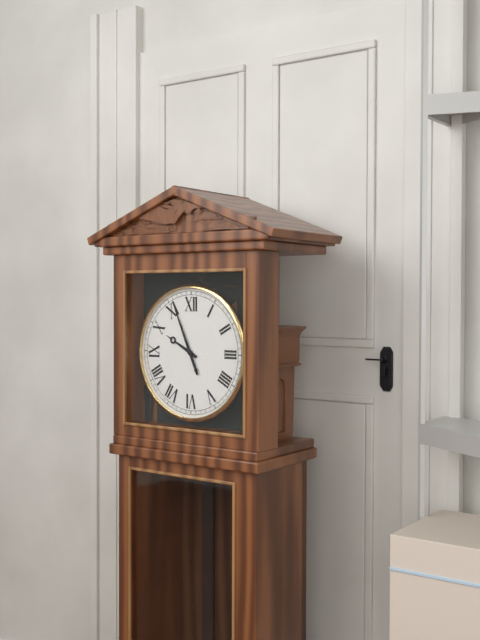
9 h 56 min
